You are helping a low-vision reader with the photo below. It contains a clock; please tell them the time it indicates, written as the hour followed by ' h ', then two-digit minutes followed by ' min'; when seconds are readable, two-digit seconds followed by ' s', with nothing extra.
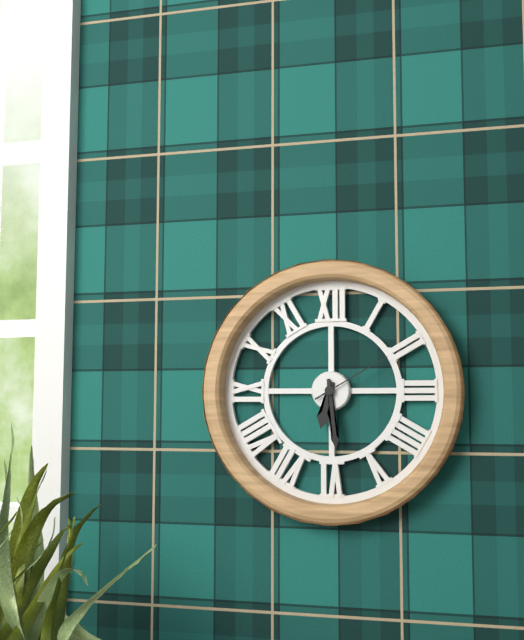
6 h 29 min 10 s
